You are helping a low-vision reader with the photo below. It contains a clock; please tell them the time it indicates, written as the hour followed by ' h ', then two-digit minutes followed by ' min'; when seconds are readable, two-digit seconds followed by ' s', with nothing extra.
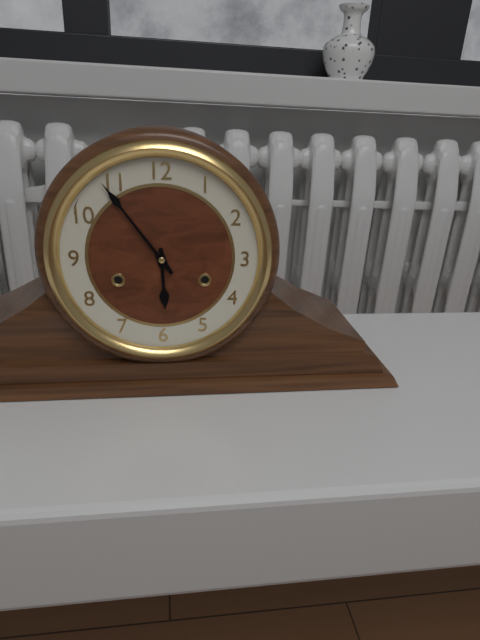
5 h 54 min
